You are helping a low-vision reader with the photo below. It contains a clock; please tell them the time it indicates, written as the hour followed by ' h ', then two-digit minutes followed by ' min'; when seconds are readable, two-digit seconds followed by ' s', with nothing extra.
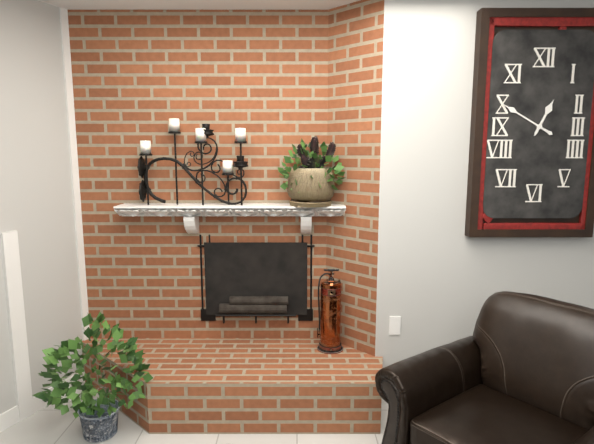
12 h 50 min
